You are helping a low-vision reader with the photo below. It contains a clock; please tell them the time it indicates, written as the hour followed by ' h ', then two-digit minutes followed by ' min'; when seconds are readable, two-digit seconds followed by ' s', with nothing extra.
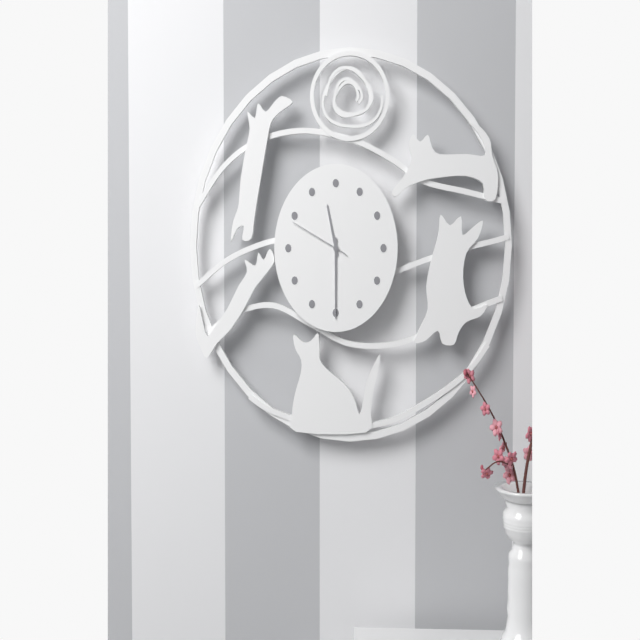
11 h 30 min 49 s
